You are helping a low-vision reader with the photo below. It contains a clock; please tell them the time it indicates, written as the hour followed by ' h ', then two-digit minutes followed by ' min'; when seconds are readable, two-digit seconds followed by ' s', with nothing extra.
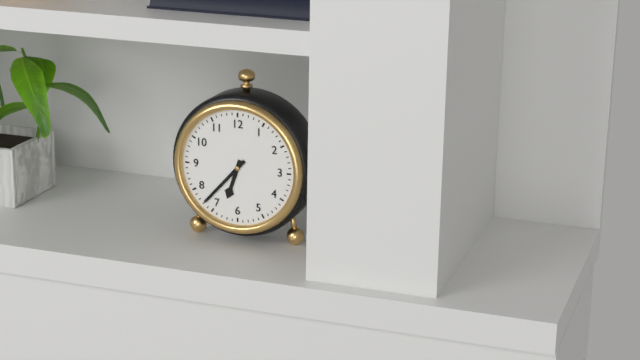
6 h 37 min
